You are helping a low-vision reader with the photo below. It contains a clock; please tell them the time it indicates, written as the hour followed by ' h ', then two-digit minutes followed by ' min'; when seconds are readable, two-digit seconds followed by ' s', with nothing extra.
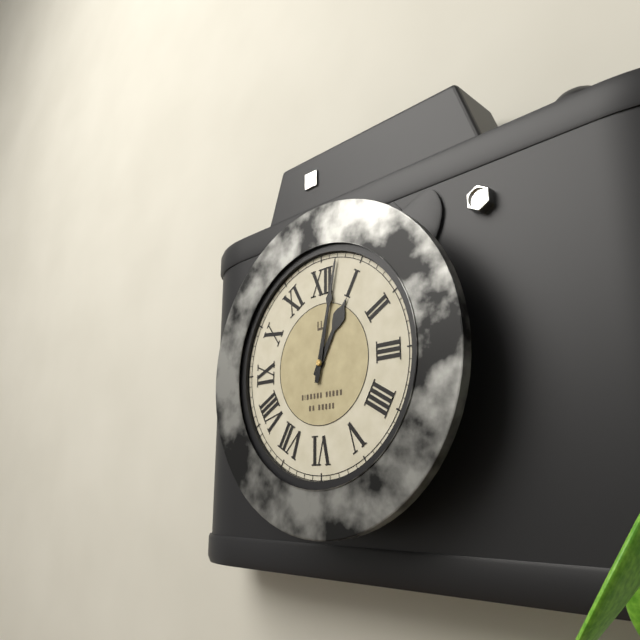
1 h 02 min
